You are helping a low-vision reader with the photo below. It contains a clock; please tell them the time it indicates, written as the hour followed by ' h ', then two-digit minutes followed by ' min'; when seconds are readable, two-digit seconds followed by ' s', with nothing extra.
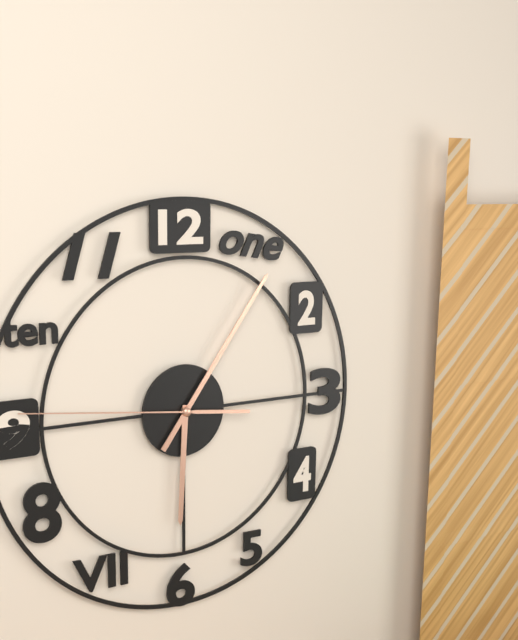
6 h 06 min 46 s
